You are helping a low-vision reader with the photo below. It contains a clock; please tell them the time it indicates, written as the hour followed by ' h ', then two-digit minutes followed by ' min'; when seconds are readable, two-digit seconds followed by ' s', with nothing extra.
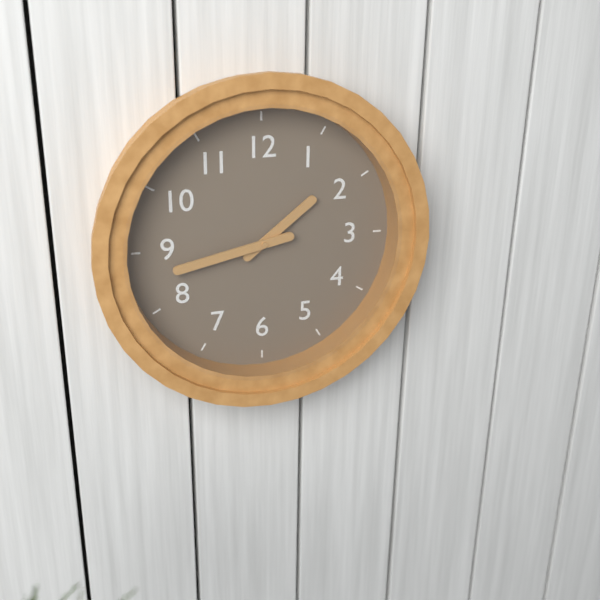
1 h 43 min
